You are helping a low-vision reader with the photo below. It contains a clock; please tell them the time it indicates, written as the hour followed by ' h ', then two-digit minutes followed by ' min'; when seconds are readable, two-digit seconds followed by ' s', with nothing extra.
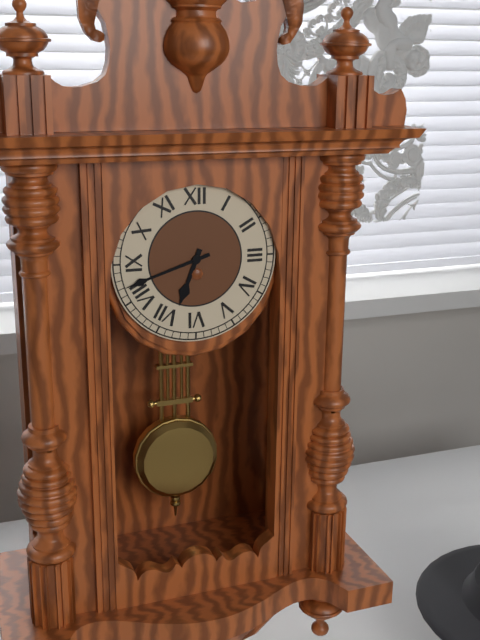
6 h 42 min
